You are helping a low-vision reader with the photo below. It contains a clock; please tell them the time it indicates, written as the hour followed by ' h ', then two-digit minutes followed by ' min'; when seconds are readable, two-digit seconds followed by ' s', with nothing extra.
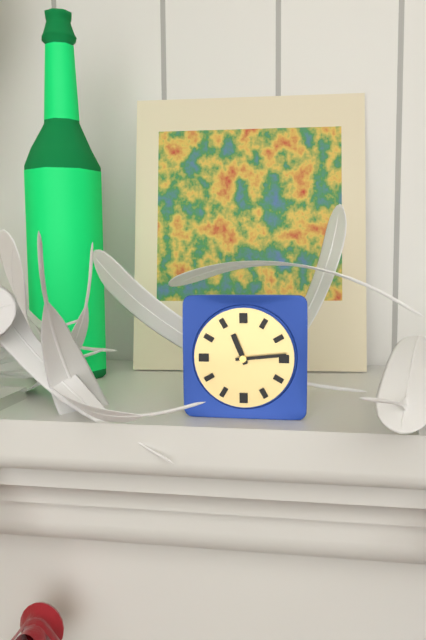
11 h 14 min
